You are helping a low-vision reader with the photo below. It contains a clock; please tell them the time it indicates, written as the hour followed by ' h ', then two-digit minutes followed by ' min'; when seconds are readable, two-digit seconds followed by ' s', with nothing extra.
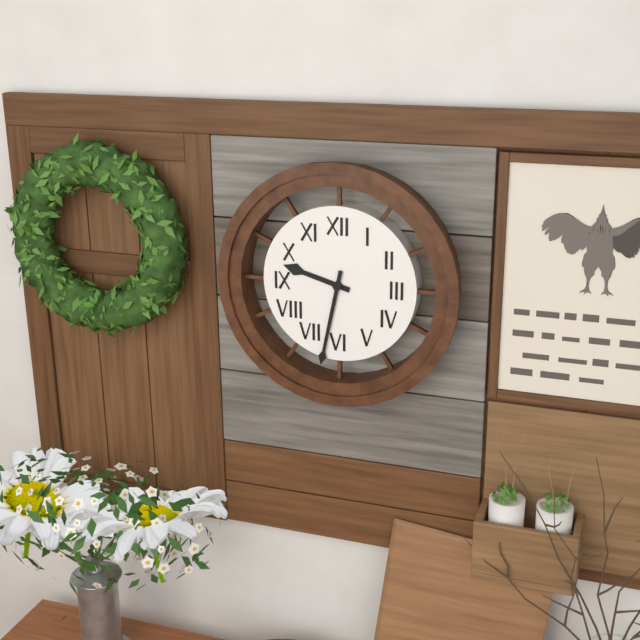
9 h 32 min
